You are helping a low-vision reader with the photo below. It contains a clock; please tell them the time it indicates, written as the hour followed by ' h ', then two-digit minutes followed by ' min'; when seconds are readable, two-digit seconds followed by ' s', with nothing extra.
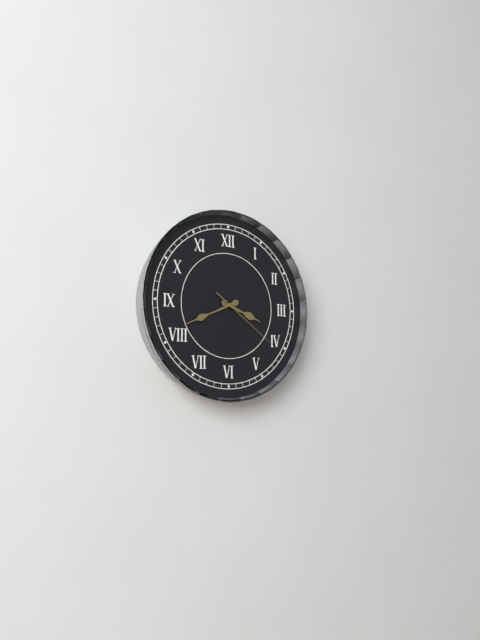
3 h 41 min 21 s
